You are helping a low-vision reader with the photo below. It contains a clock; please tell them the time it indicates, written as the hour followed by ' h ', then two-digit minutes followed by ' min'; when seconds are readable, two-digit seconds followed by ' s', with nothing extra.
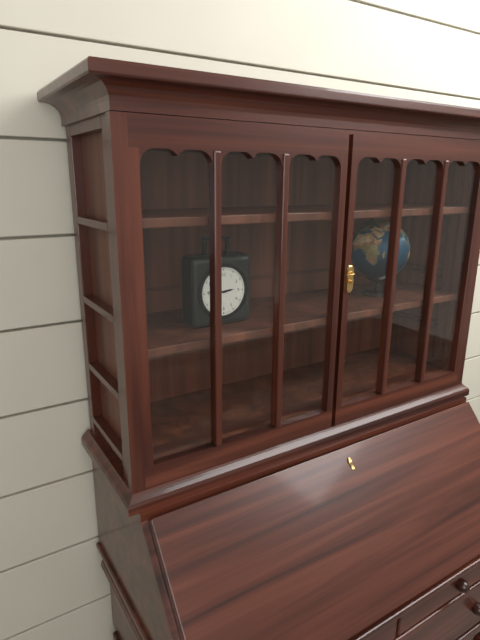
2 h 46 min
